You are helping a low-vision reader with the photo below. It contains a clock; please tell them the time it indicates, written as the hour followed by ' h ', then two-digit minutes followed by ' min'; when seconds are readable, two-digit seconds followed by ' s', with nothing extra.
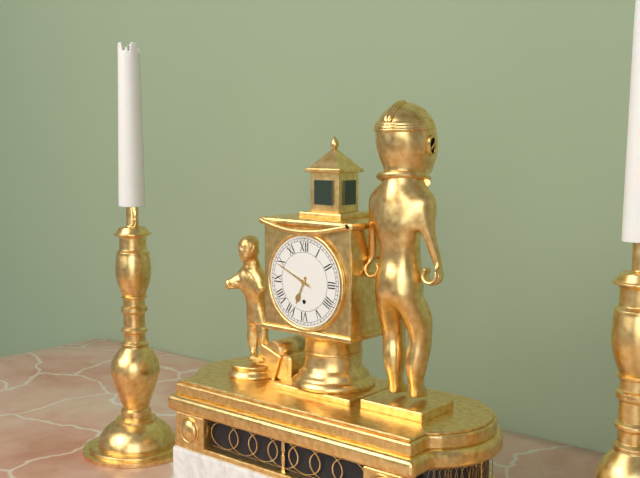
6 h 49 min
